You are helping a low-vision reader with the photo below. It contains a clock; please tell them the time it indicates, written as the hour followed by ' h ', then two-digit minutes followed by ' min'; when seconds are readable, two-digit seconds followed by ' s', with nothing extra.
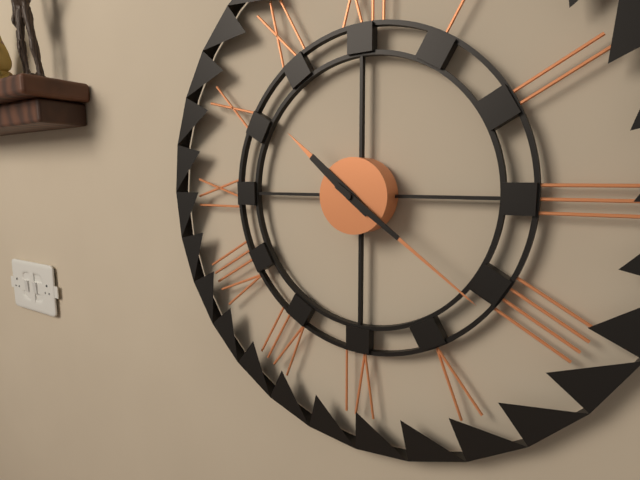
10 h 21 min
